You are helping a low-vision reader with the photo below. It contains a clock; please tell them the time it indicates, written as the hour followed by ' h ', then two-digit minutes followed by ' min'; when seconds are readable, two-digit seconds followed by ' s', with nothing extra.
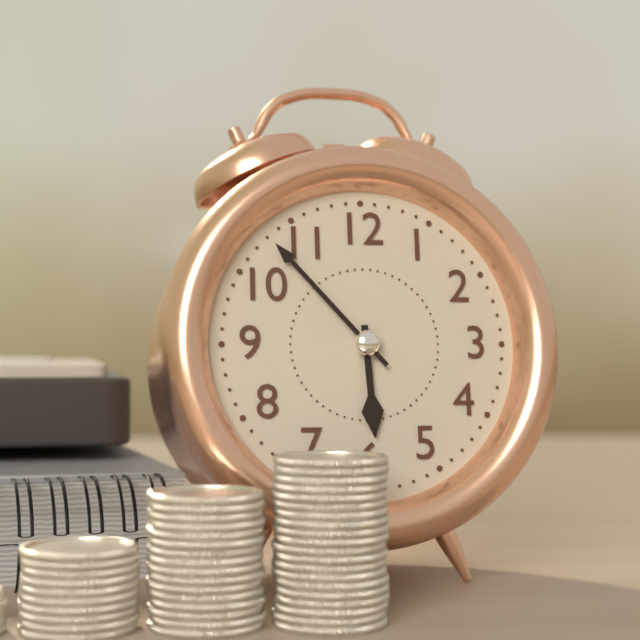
5 h 53 min
